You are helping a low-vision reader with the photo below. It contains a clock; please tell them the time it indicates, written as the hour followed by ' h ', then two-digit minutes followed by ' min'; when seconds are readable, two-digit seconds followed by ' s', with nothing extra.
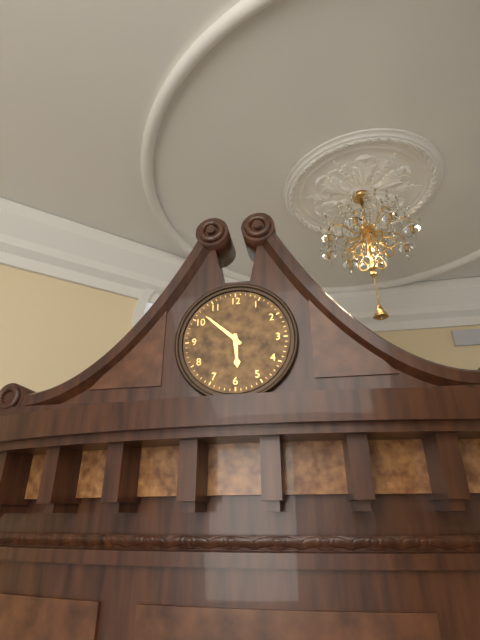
5 h 52 min
